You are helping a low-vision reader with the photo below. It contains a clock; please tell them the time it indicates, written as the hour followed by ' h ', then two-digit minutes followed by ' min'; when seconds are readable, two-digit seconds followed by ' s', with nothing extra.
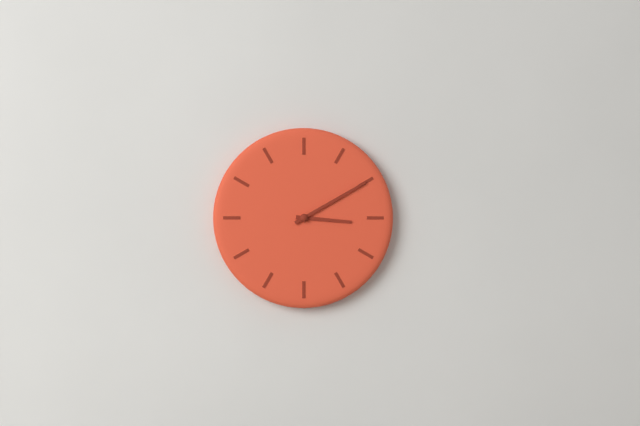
3 h 10 min
